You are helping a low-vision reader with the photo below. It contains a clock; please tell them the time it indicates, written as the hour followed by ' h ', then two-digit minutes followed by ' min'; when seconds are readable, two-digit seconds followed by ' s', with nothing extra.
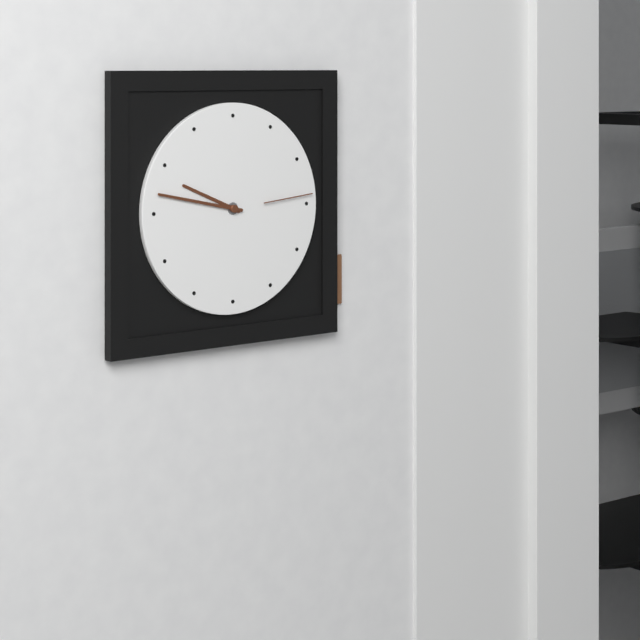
9 h 47 min 14 s
